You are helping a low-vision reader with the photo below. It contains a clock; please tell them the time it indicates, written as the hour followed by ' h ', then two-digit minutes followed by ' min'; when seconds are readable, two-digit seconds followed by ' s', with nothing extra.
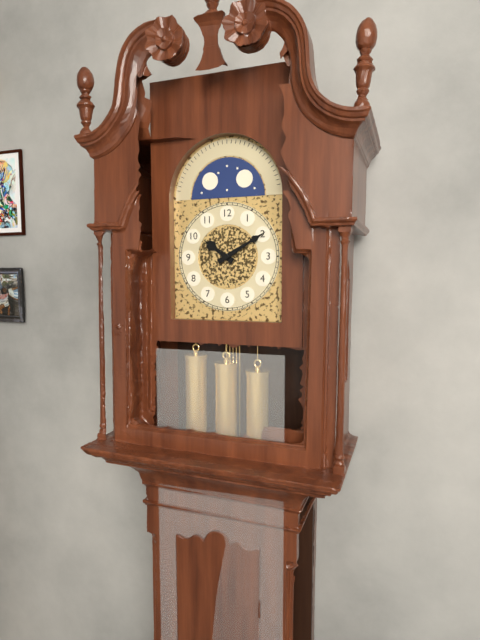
10 h 10 min
